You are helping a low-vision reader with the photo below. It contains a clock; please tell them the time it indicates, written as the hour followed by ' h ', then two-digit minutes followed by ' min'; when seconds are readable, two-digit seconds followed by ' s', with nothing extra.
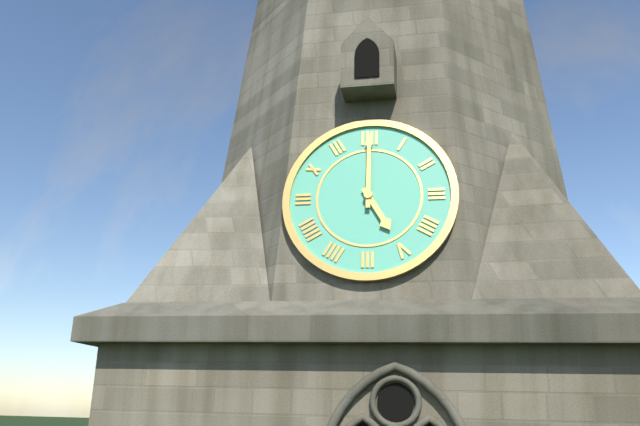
5 h 00 min
